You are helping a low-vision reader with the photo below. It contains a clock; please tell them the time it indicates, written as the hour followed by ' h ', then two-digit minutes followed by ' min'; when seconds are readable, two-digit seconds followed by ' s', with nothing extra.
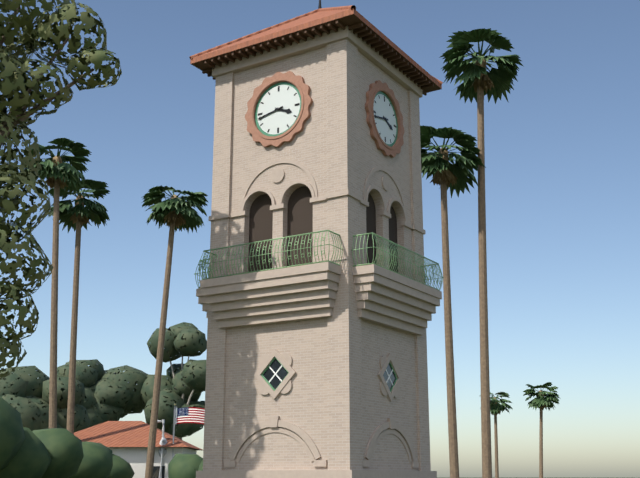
3 h 43 min
